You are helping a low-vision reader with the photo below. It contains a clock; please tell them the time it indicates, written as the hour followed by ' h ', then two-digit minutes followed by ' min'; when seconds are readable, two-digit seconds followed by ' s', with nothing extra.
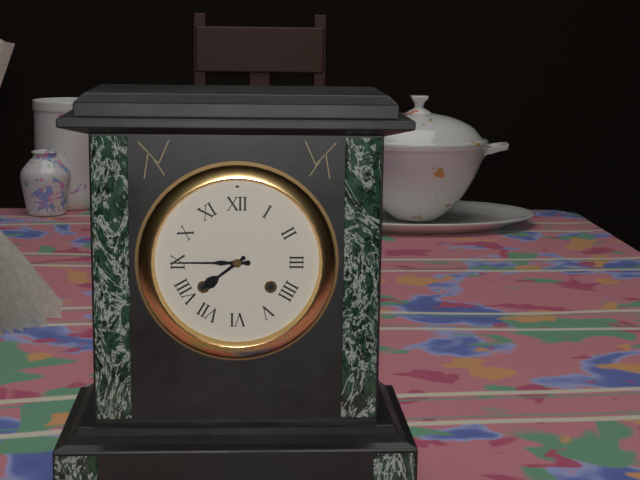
7 h 45 min
